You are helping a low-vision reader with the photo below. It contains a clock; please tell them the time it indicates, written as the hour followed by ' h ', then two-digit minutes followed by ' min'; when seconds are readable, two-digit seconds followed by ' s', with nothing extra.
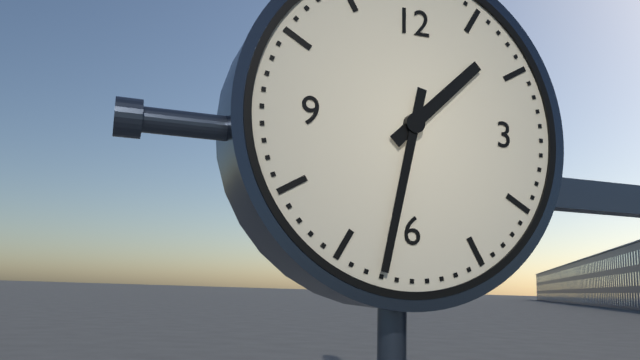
1 h 32 min
